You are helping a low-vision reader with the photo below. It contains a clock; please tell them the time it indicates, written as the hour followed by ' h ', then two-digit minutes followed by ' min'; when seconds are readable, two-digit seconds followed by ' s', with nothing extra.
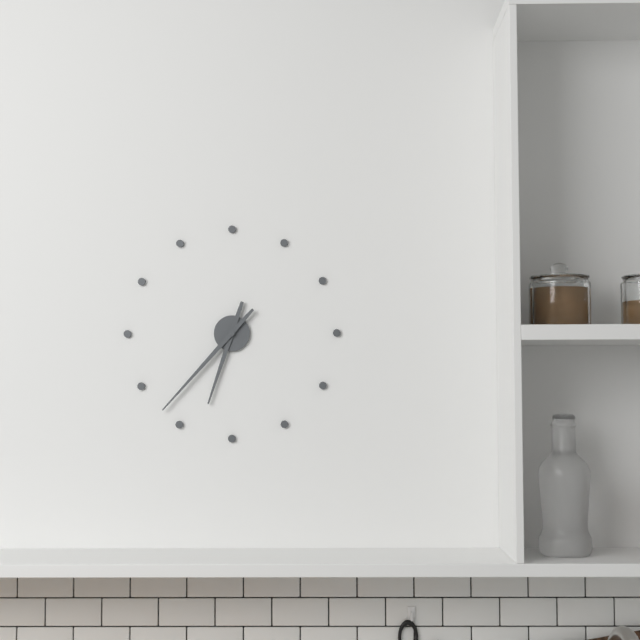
6 h 37 min
